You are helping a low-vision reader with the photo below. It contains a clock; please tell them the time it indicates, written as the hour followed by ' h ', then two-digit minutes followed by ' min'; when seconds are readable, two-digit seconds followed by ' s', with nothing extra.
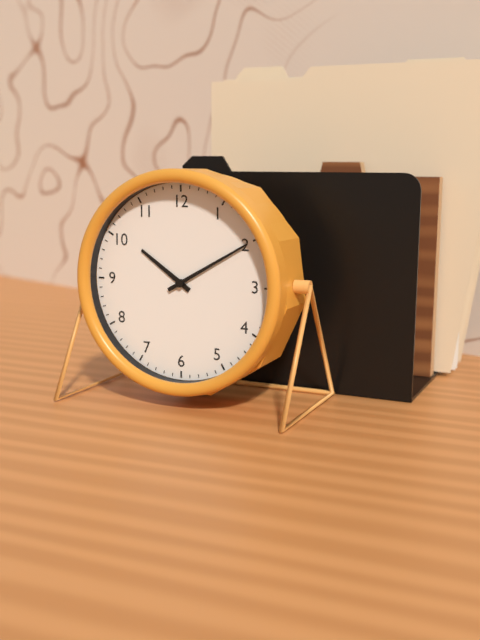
10 h 10 min
